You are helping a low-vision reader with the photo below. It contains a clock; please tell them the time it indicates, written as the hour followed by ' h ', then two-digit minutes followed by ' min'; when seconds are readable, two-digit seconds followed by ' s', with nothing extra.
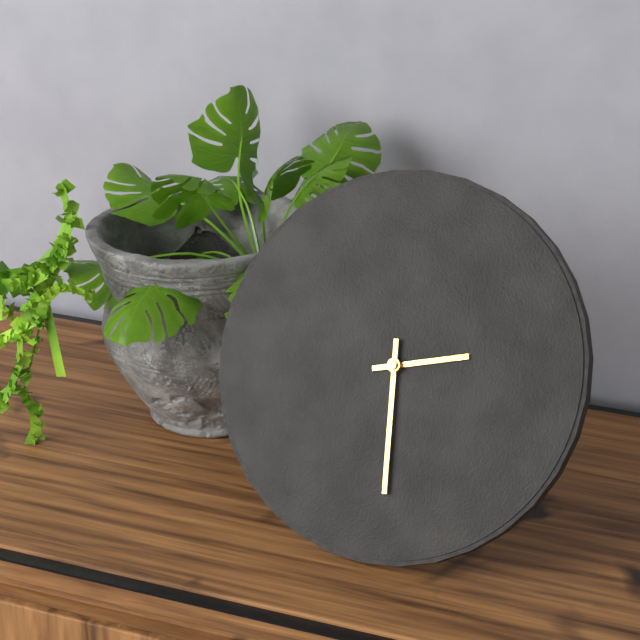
2 h 29 min
